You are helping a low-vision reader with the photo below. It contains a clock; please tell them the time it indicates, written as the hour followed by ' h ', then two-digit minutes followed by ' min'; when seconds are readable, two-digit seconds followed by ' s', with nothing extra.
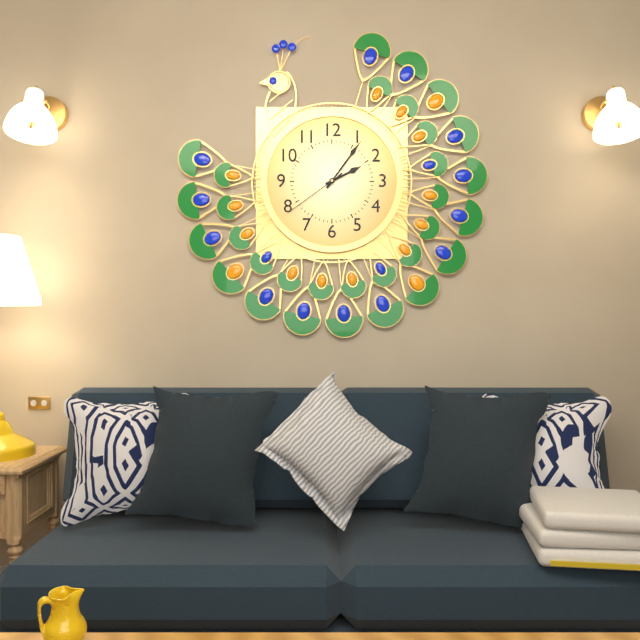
2 h 06 min 39 s
